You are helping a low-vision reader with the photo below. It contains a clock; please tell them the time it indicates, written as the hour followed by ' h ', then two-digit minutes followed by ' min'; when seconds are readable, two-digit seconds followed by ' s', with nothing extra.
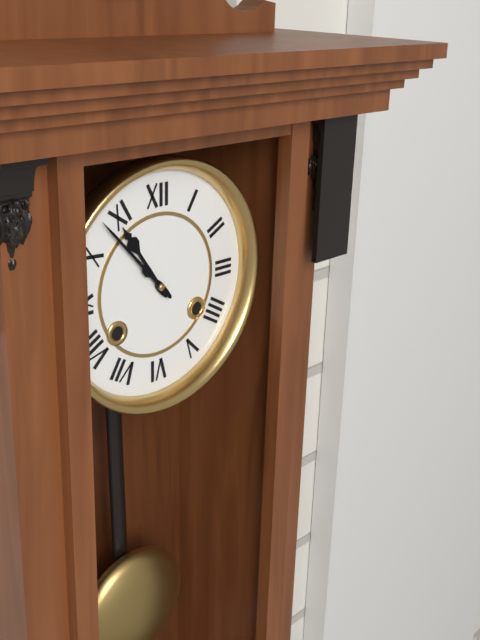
10 h 53 min
